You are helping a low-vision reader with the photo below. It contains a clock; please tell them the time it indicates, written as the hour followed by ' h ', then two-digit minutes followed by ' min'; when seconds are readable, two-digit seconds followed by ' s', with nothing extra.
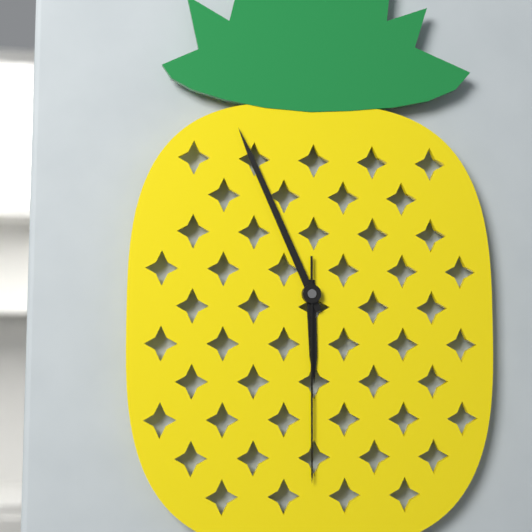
5 h 56 min 30 s
